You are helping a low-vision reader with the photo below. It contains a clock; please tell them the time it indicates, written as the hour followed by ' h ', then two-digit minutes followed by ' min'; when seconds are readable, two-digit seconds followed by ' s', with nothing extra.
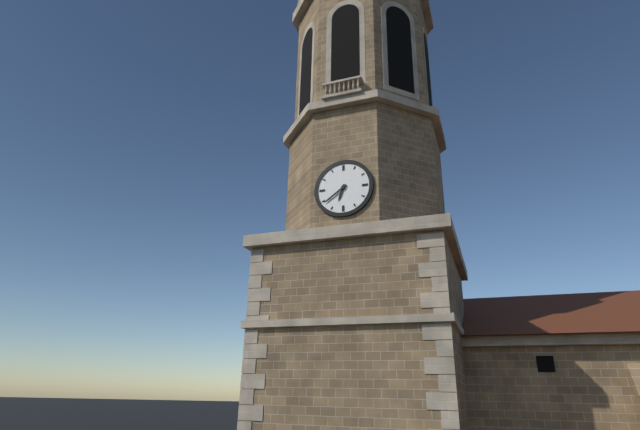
6 h 39 min
